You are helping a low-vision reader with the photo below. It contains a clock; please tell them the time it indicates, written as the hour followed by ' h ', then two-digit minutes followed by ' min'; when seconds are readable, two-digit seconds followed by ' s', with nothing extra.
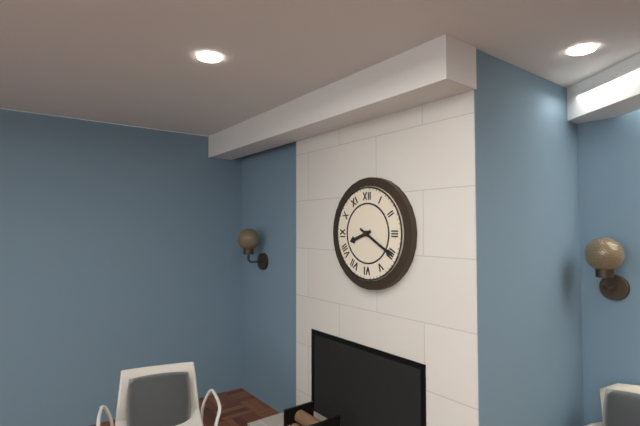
8 h 20 min
